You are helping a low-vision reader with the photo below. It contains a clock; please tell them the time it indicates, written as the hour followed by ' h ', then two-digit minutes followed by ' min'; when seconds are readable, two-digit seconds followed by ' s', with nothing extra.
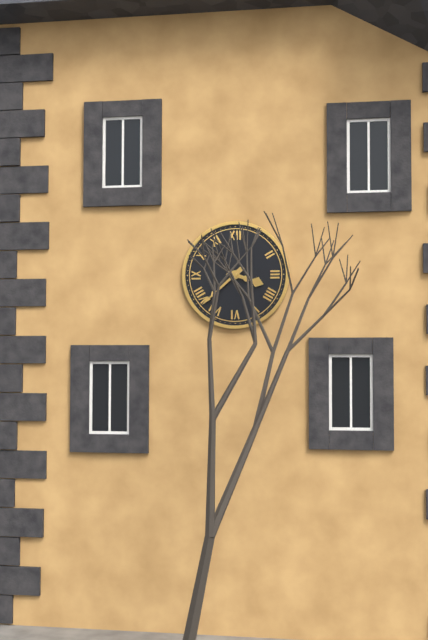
3 h 38 min
